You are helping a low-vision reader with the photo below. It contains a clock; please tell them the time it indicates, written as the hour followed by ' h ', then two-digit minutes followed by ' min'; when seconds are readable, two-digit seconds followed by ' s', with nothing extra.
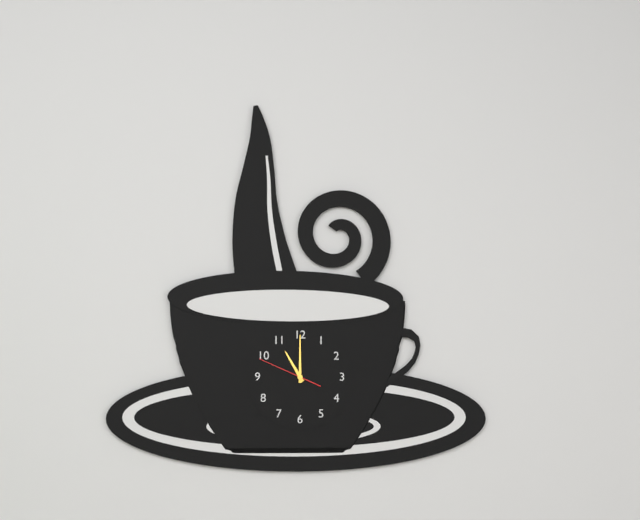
11 h 00 min 49 s
